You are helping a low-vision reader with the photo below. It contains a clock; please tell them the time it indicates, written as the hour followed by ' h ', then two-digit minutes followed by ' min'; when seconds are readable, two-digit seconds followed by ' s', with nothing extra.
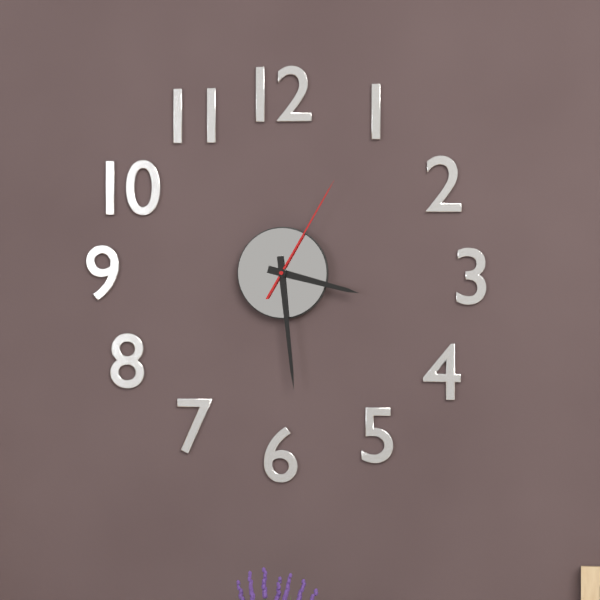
3 h 29 min 05 s
